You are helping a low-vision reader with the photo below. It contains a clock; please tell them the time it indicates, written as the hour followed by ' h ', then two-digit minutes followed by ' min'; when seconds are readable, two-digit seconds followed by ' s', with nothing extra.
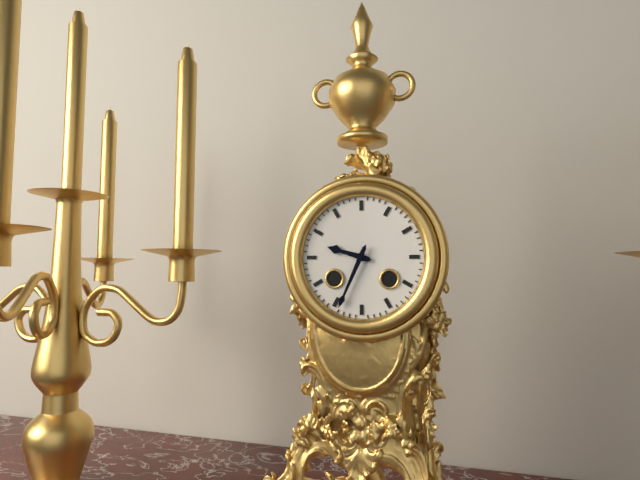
9 h 34 min
